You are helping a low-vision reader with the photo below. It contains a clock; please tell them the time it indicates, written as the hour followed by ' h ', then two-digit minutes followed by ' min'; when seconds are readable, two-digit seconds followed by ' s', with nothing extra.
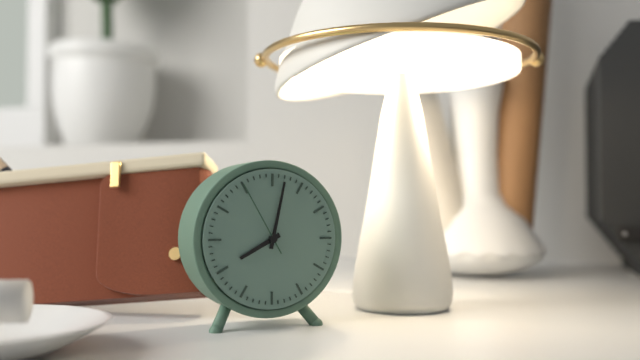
8 h 02 min 55 s
